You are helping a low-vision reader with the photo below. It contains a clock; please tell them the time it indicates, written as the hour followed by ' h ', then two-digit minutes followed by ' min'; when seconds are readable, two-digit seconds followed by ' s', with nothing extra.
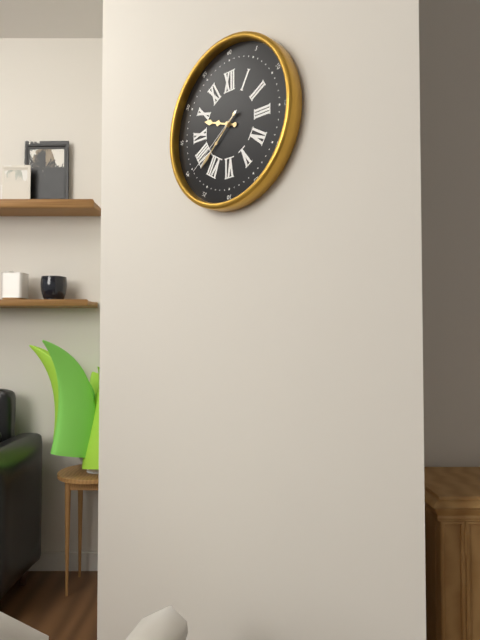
9 h 38 min 39 s
